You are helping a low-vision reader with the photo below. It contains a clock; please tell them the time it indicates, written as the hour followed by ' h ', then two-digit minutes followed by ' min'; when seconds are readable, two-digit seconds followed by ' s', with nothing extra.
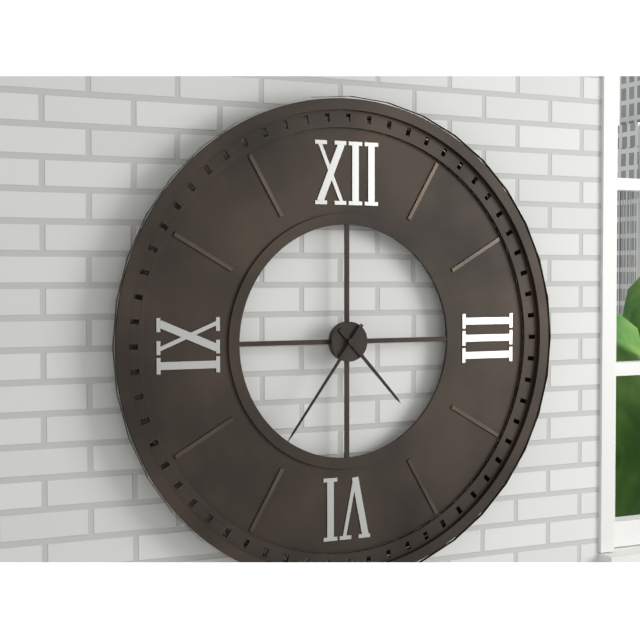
4 h 36 min
